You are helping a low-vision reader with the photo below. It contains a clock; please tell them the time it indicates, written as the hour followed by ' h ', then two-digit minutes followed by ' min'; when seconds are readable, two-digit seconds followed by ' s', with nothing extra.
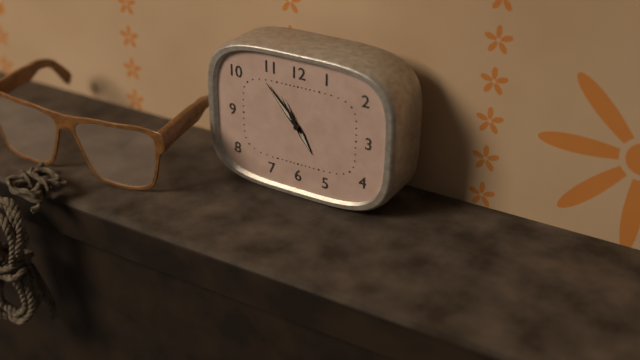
4 h 53 min
